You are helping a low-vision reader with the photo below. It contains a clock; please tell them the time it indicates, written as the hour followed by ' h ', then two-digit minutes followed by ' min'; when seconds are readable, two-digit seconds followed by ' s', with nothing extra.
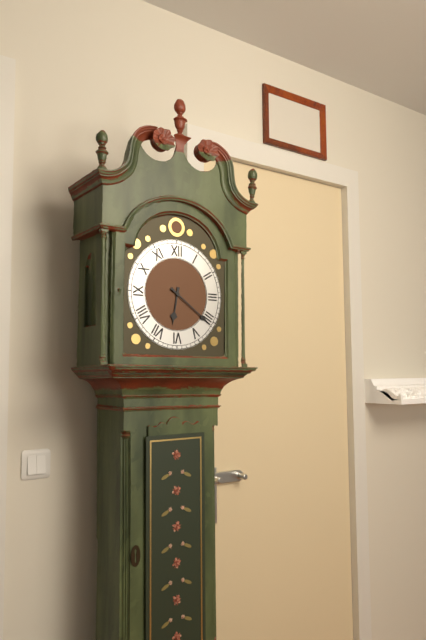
6 h 21 min
